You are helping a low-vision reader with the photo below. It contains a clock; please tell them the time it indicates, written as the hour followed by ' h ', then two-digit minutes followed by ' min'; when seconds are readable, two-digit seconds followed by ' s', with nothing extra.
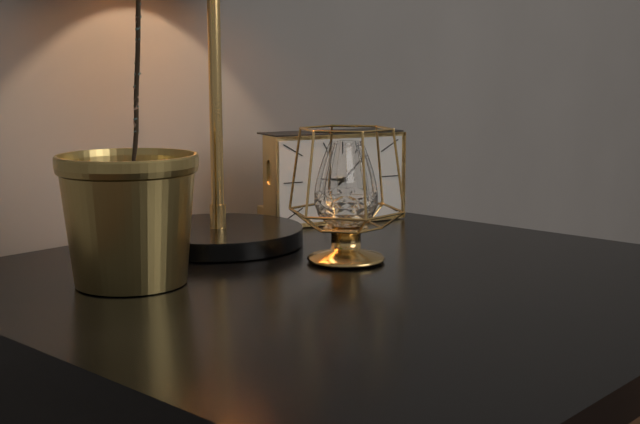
9 h 08 min
